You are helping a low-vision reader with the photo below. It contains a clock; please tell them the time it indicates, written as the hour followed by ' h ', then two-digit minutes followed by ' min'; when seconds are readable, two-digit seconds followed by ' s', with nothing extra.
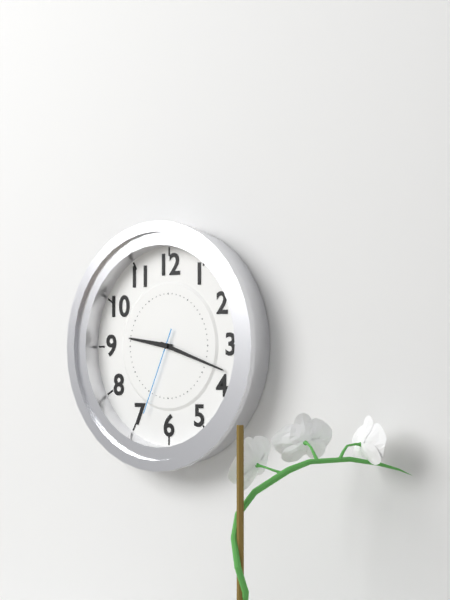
9 h 18 min 34 s
